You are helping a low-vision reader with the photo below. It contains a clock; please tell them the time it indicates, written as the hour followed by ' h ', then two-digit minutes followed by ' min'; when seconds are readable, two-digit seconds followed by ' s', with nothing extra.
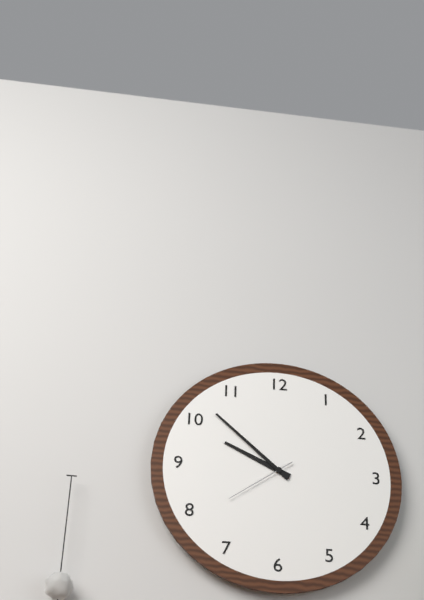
9 h 52 min 39 s
